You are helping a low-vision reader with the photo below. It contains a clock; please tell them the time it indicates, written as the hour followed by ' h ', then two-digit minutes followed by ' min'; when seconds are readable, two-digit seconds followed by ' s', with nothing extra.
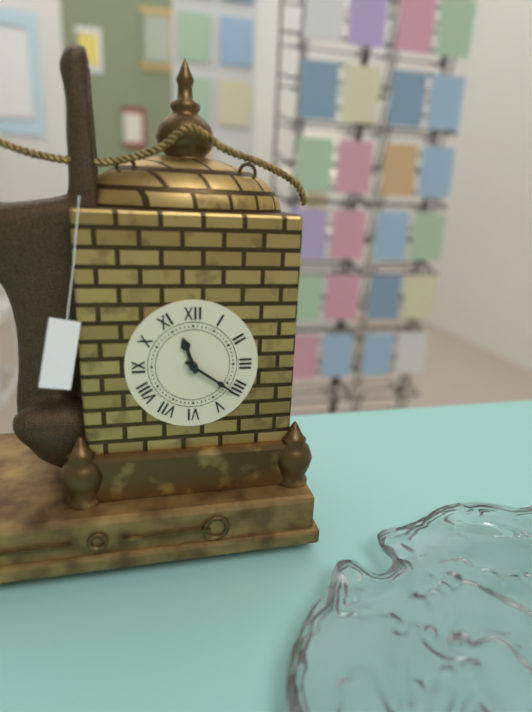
11 h 21 min
